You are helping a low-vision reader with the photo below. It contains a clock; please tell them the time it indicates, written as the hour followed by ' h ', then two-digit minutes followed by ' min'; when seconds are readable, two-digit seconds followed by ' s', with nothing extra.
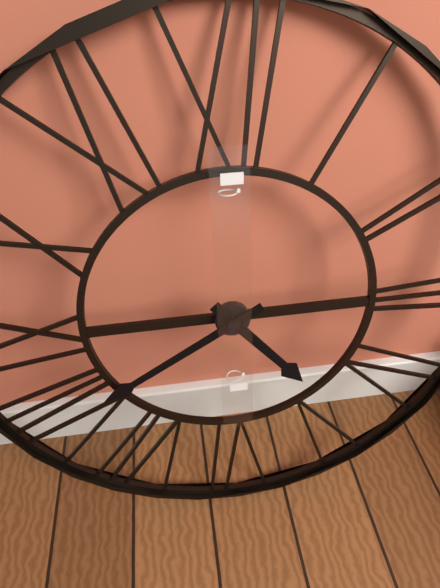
4 h 40 min
